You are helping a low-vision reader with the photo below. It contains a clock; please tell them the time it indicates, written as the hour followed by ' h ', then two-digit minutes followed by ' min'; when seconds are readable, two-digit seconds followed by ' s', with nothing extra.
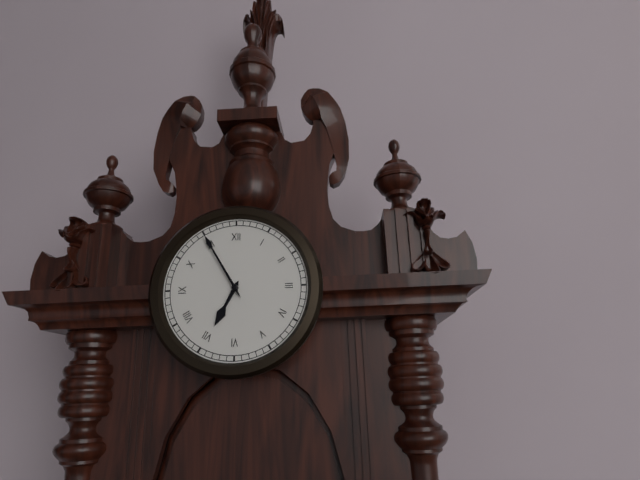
6 h 55 min
